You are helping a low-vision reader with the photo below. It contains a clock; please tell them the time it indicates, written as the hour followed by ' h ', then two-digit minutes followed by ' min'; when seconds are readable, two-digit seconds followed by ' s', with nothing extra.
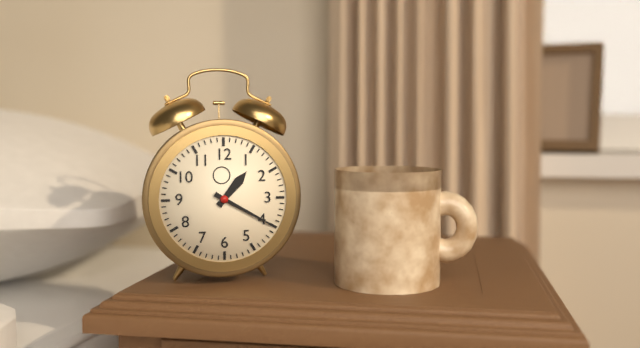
1 h 20 min
